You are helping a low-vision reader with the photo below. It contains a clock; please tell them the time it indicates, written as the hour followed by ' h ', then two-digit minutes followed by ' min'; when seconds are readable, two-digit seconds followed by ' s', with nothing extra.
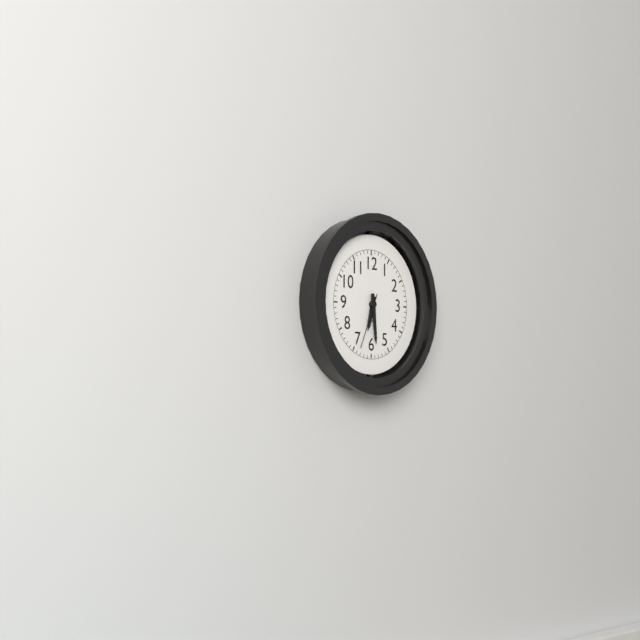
6 h 29 min 34 s
